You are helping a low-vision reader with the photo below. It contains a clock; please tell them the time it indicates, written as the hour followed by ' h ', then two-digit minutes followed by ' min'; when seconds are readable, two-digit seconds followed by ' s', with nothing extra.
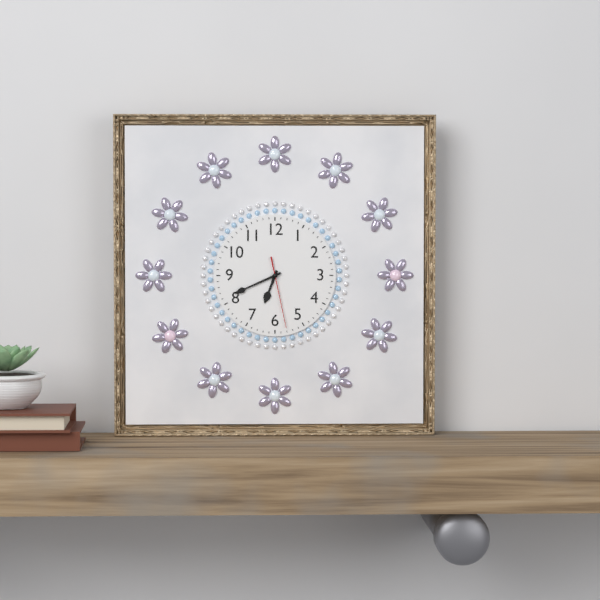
6 h 41 min 28 s
